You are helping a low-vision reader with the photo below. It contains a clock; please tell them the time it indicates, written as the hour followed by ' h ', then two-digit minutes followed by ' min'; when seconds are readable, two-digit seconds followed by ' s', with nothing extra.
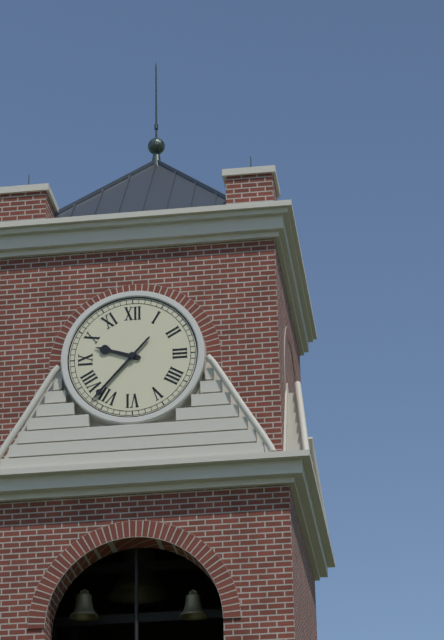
9 h 37 min
